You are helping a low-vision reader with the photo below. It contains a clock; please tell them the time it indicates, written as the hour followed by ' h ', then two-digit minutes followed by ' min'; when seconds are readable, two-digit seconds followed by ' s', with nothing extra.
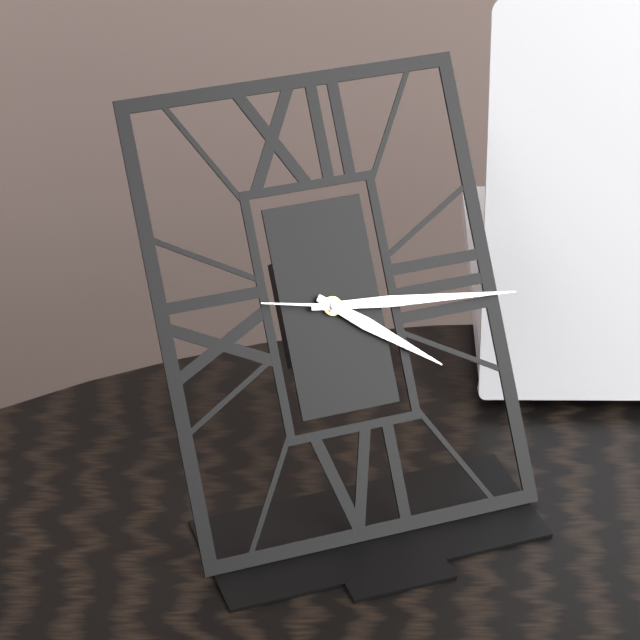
4 h 16 min 47 s
